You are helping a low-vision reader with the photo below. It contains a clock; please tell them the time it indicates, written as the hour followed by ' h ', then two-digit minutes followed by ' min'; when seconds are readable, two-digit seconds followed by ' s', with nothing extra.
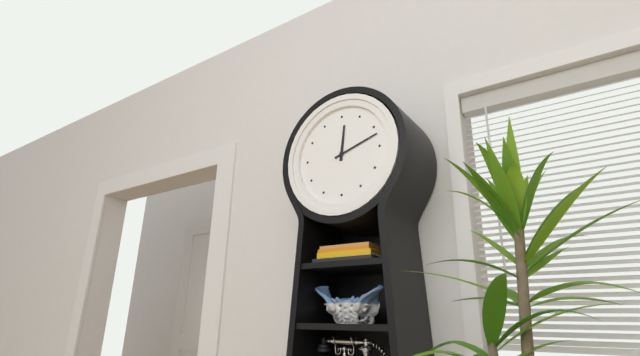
12 h 12 min
